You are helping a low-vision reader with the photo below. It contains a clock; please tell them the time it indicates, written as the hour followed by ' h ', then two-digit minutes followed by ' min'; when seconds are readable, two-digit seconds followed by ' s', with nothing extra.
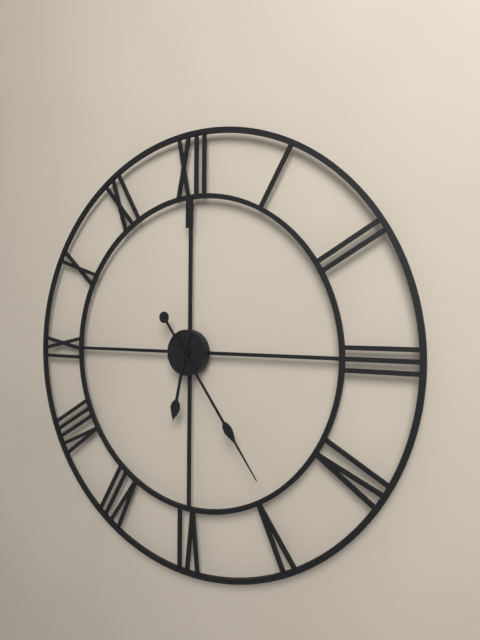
6 h 24 min
